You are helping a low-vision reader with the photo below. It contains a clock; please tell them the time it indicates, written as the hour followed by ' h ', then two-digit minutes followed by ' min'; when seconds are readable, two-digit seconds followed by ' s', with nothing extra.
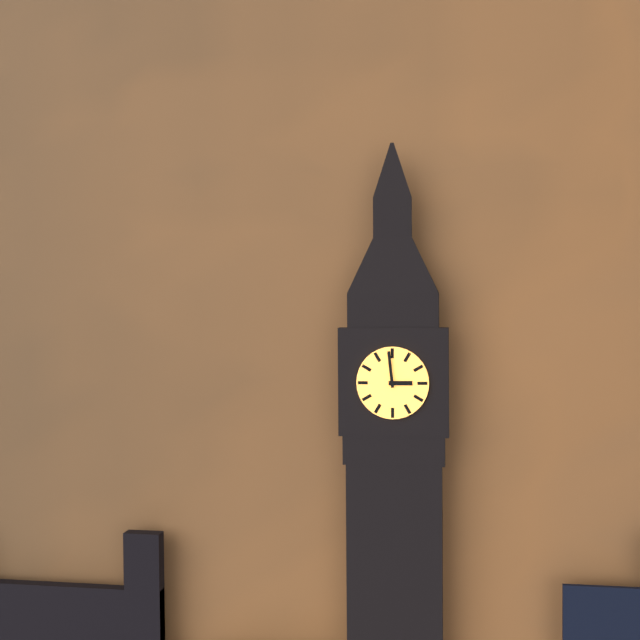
2 h 59 min
